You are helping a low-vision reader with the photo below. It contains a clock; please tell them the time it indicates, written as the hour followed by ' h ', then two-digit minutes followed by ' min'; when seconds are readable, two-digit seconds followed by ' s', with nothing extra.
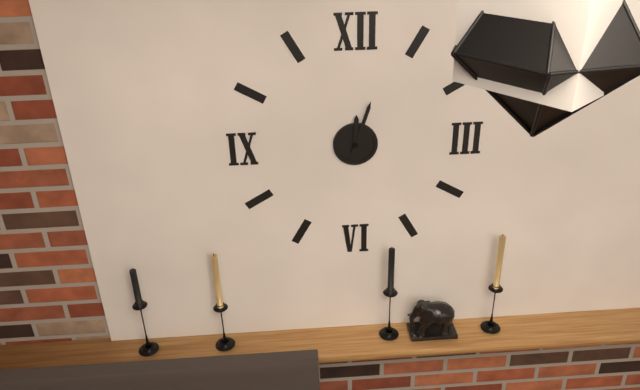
12 h 03 min
